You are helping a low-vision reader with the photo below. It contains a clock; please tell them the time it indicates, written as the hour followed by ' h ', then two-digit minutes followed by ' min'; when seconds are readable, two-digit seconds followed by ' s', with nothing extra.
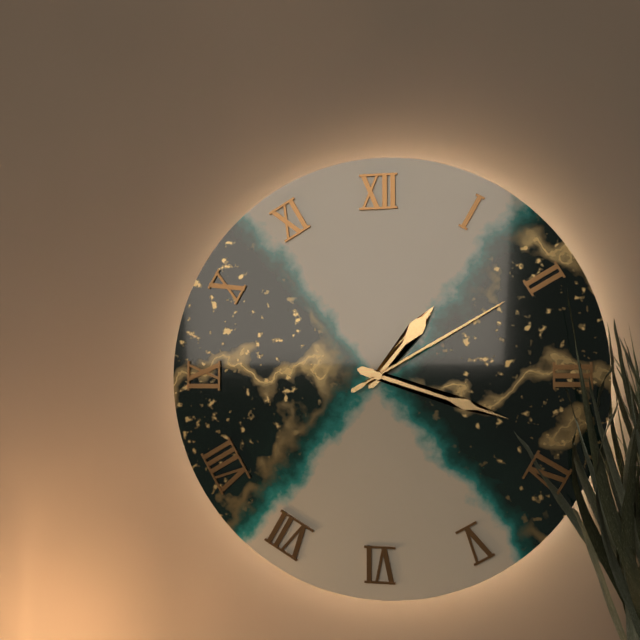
1 h 18 min 10 s
